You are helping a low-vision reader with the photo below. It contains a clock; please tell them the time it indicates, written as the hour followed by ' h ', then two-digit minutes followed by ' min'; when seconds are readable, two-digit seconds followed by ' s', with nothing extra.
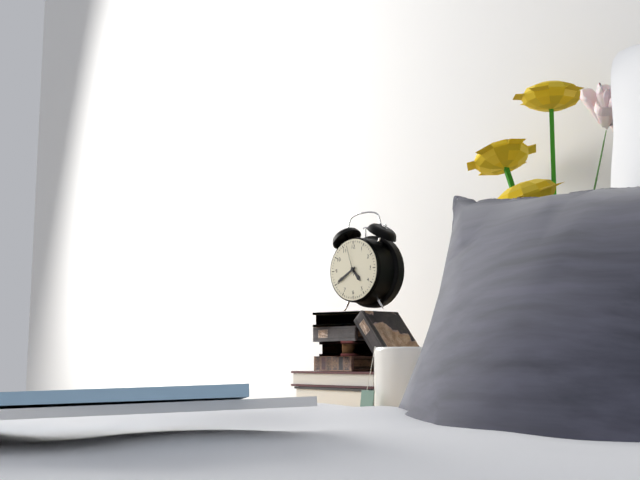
4 h 40 min
